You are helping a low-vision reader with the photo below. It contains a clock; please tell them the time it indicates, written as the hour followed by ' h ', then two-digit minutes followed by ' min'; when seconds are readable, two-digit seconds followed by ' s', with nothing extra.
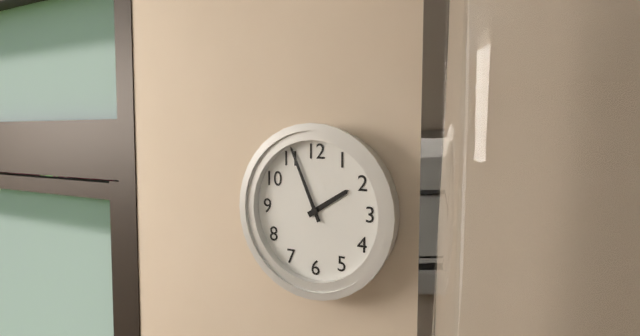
1 h 56 min
